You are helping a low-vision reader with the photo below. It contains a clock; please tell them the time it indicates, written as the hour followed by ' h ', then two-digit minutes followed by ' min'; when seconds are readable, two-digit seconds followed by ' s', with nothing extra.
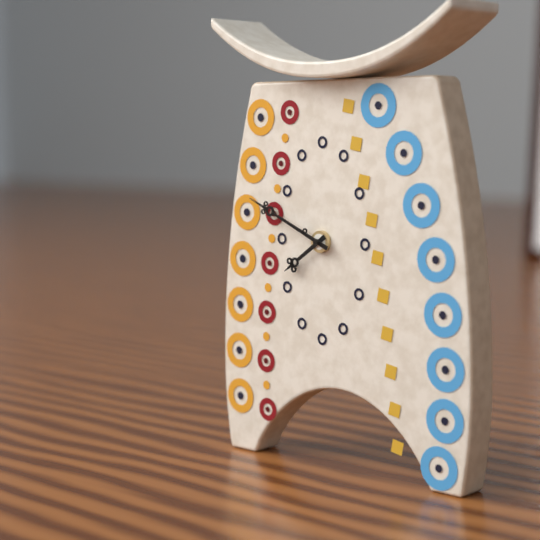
7 h 49 min
